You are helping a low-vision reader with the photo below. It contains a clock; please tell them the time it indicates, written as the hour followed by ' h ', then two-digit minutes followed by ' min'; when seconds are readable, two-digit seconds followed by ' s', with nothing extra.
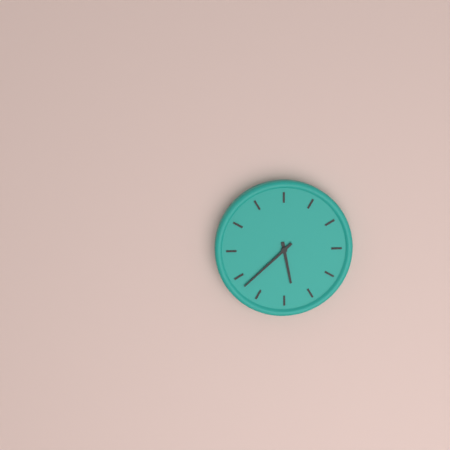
5 h 38 min
